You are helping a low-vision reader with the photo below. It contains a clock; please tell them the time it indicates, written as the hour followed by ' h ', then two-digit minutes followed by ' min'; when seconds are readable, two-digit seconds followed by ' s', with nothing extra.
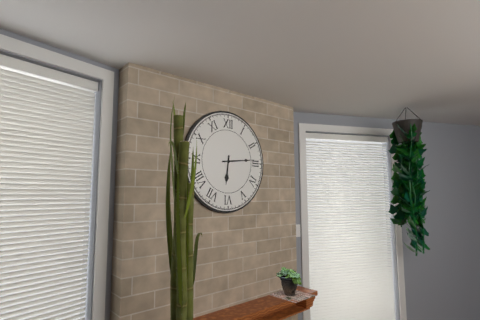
6 h 14 min
